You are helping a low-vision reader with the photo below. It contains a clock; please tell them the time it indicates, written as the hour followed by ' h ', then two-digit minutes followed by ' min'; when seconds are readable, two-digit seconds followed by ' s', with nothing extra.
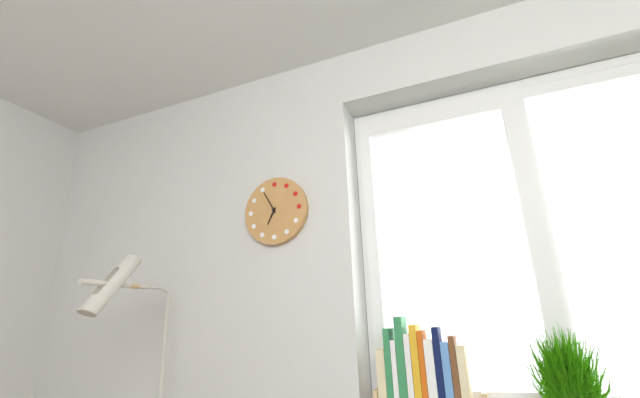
6 h 55 min
